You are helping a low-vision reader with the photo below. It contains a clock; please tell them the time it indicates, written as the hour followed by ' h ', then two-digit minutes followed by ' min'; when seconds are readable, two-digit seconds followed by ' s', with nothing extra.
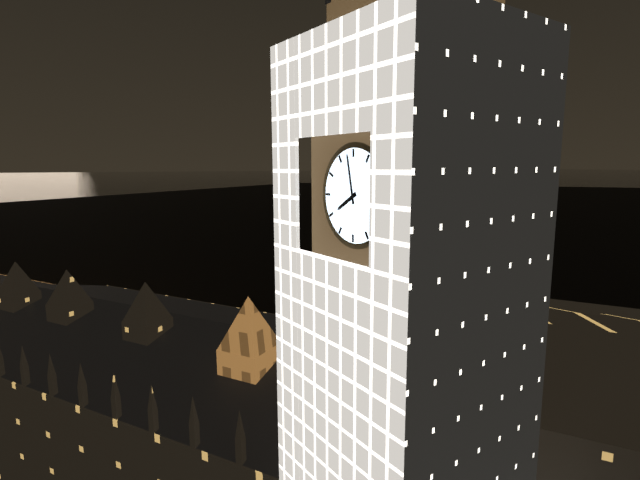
7 h 58 min
